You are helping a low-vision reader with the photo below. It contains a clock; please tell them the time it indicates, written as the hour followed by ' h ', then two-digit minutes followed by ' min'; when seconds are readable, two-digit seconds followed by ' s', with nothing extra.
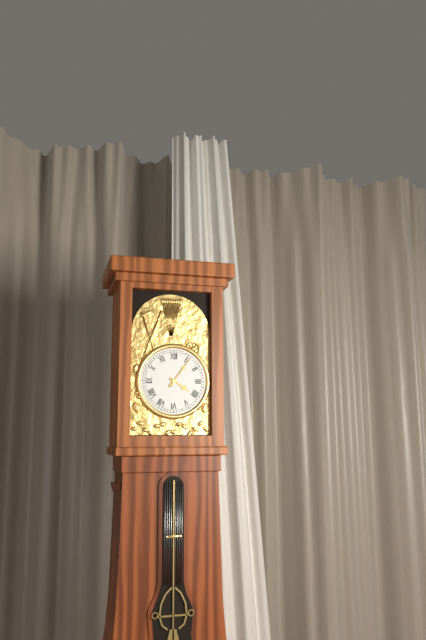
4 h 06 min
